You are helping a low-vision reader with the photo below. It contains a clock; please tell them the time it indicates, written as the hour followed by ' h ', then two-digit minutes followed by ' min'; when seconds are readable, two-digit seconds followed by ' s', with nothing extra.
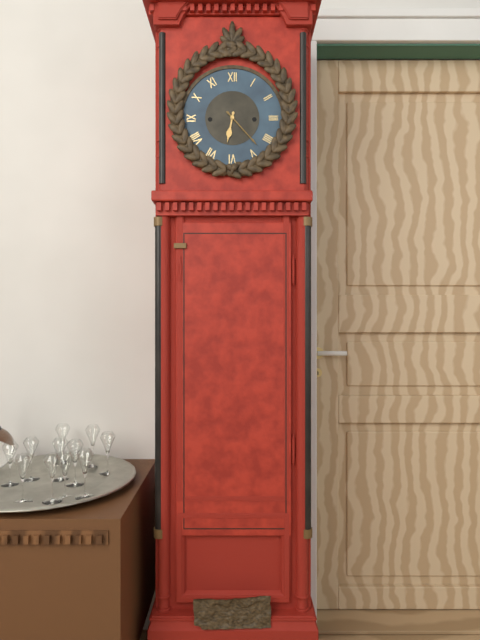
6 h 23 min
